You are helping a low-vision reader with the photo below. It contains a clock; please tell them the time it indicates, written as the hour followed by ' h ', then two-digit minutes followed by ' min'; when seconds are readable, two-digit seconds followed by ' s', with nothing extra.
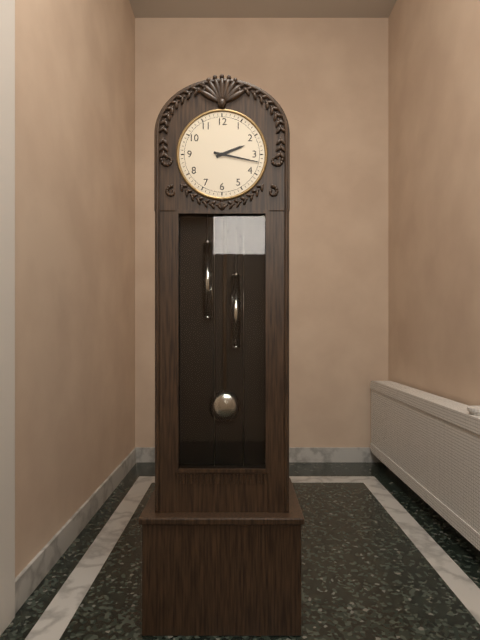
2 h 17 min
